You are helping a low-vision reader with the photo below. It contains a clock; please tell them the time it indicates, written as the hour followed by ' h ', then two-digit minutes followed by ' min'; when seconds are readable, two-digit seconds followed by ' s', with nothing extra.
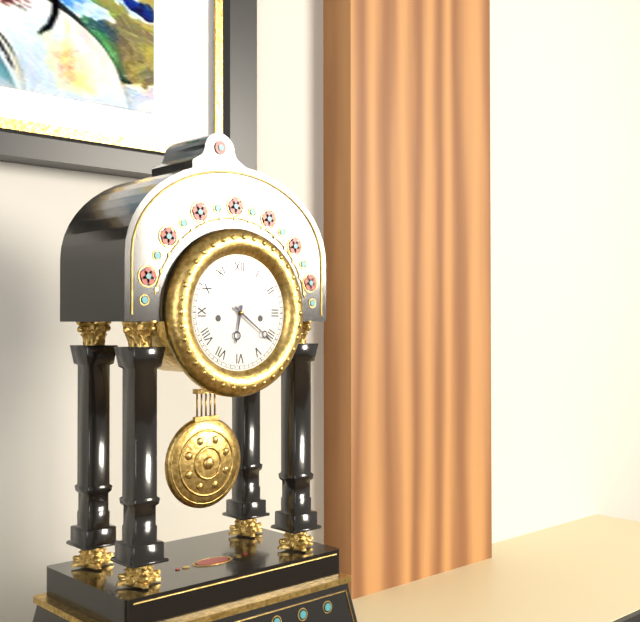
6 h 21 min
